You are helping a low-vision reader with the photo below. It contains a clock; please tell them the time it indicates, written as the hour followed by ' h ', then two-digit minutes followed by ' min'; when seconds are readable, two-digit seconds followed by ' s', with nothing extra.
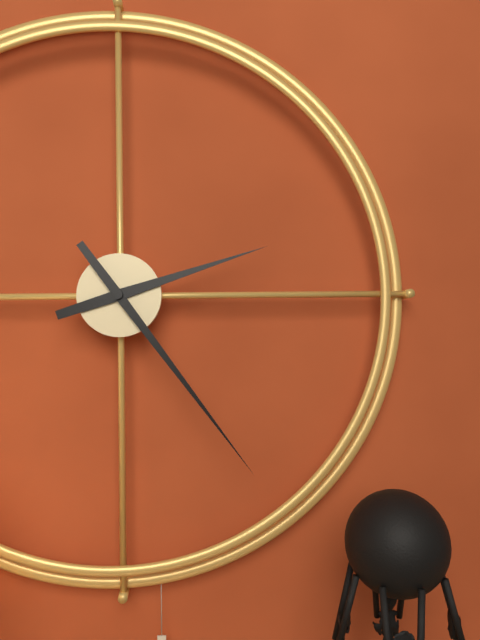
2 h 24 min
